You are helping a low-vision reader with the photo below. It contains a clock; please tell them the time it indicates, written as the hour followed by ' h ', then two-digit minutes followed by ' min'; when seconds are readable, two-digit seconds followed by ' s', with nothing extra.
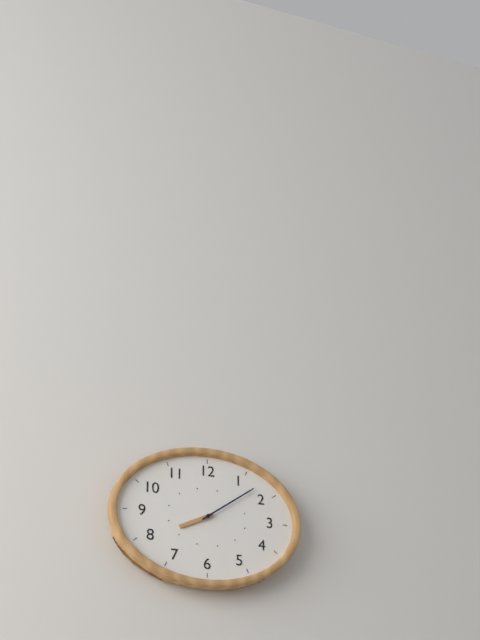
8 h 09 min
